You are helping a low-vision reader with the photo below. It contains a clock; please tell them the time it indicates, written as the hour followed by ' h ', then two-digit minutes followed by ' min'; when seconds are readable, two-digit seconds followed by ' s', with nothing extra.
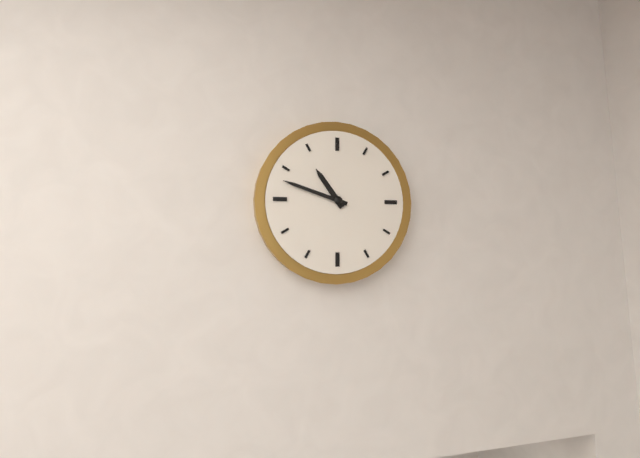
10 h 48 min
